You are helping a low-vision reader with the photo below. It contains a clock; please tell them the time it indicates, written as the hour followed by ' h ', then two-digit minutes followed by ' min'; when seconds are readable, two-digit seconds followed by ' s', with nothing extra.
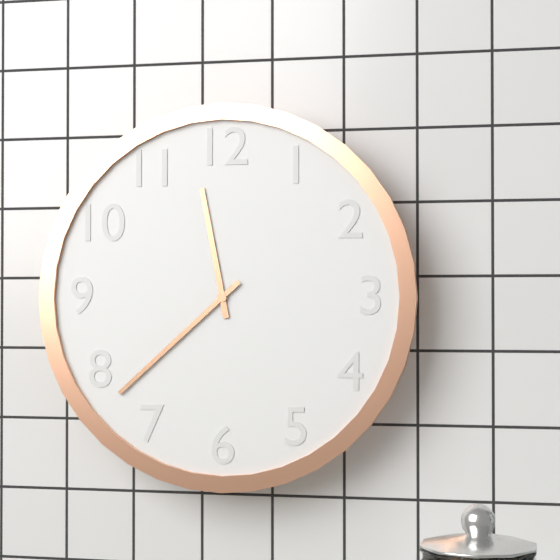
11 h 38 min
